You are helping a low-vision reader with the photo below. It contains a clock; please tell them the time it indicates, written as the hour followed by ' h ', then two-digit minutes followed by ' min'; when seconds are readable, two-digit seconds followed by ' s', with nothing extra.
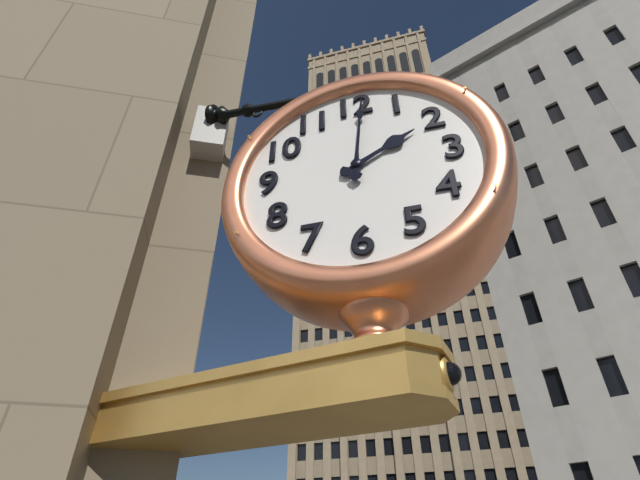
2 h 01 min
